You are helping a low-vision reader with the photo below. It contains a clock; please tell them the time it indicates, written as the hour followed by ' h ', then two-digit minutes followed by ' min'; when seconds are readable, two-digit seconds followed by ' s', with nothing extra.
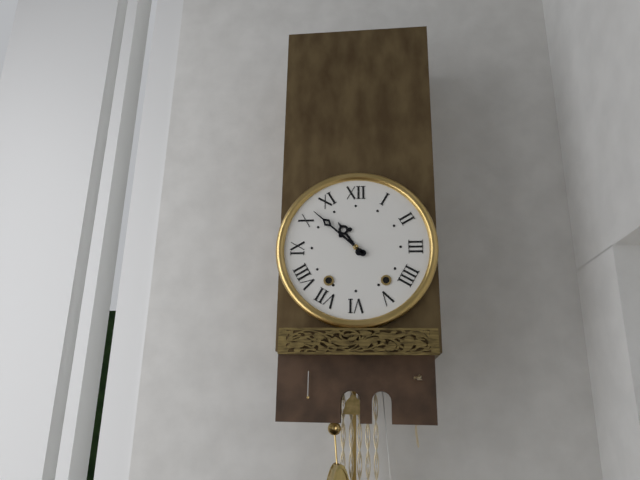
10 h 52 min
